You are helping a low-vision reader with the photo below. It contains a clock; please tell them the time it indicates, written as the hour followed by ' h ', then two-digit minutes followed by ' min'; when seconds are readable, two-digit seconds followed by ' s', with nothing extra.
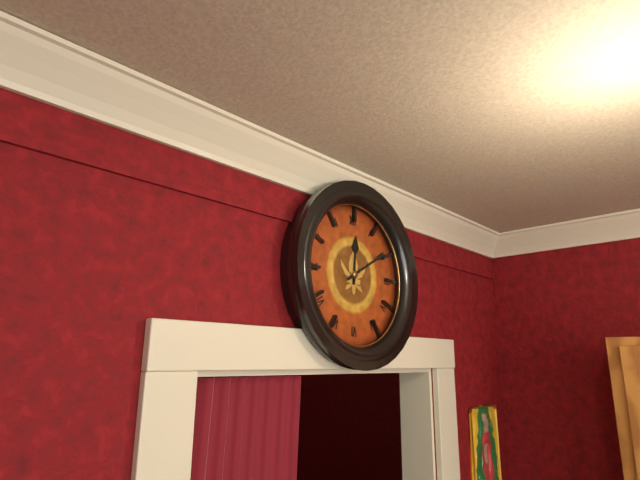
12 h 10 min
